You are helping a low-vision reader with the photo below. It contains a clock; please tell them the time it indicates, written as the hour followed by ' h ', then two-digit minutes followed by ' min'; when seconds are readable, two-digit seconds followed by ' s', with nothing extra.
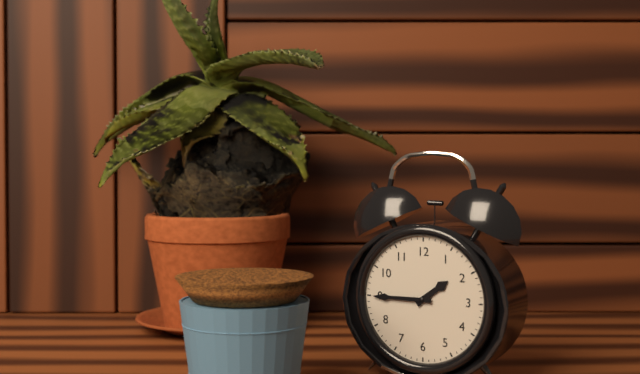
1 h 45 min
